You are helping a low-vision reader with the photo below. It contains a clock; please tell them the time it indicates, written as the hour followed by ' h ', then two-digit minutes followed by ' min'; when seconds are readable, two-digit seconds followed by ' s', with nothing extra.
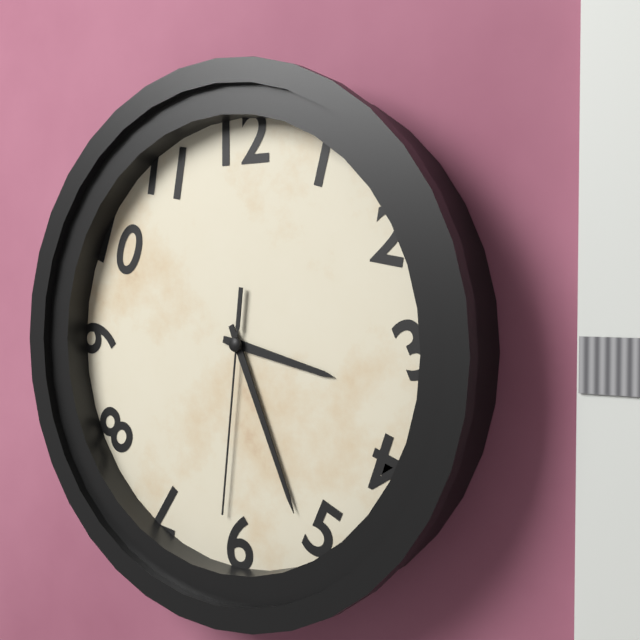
3 h 26 min 31 s
